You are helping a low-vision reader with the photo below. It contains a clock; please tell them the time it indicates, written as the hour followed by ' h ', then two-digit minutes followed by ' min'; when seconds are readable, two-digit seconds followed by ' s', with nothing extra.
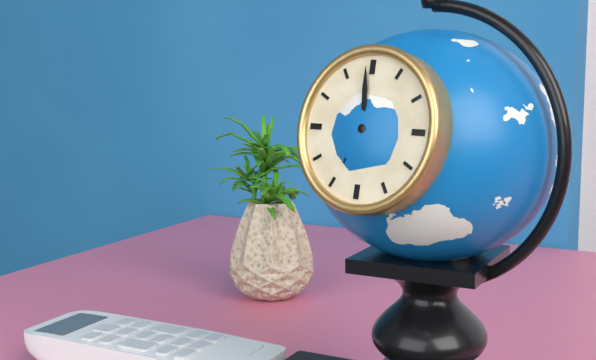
6 h 59 min
